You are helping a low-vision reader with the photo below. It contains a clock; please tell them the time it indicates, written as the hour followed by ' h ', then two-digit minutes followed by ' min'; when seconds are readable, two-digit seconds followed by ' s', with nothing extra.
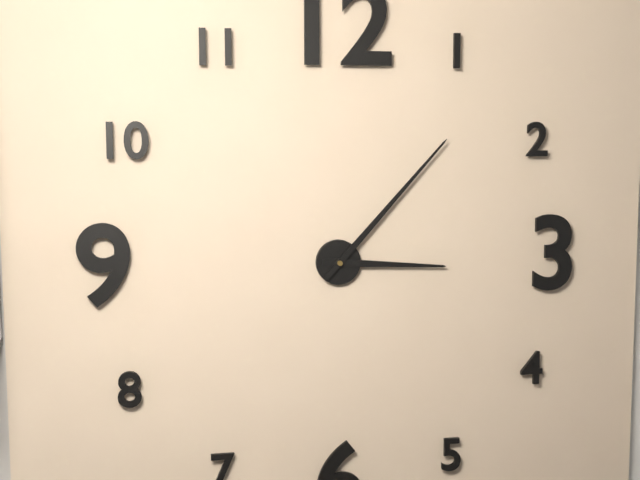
3 h 07 min
